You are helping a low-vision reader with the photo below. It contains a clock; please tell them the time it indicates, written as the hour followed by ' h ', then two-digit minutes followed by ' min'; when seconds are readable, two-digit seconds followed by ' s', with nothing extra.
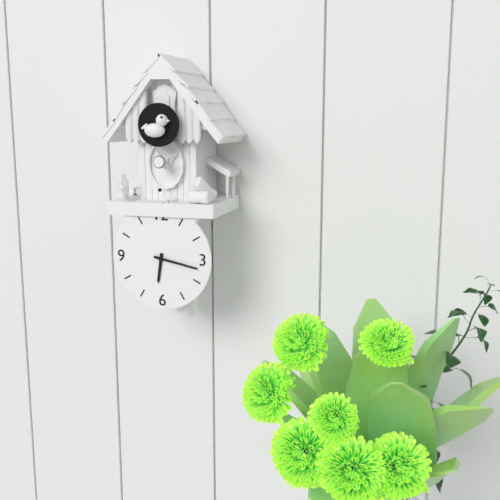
6 h 17 min
